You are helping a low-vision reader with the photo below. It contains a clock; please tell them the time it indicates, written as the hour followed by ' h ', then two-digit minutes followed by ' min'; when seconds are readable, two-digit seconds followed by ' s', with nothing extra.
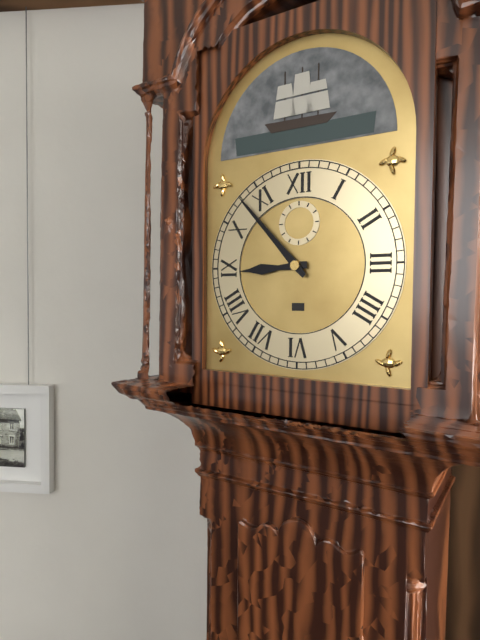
8 h 53 min
